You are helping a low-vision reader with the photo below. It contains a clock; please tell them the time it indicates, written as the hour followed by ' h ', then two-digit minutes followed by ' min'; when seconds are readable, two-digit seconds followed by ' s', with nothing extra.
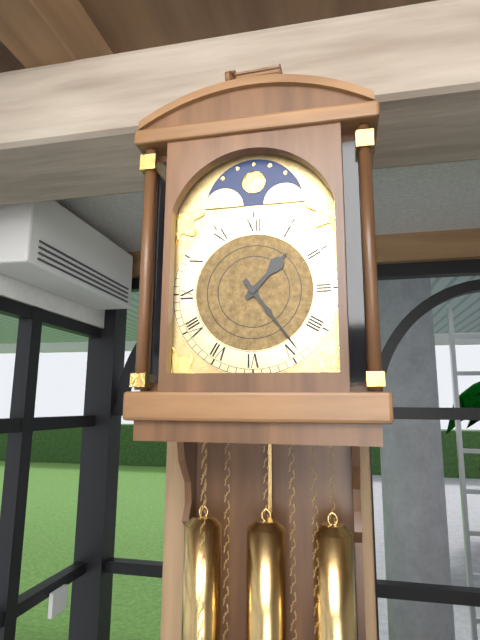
1 h 24 min
